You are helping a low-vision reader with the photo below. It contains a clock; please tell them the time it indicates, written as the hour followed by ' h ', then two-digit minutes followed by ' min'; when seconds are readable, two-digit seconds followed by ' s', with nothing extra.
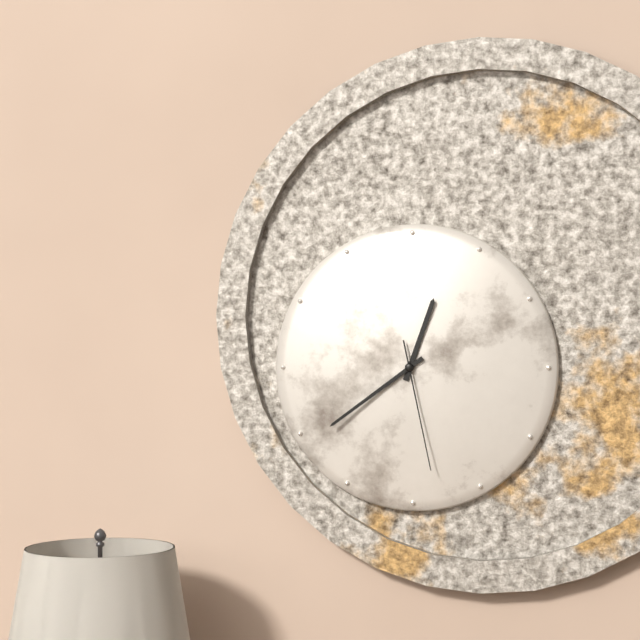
12 h 39 min 28 s
